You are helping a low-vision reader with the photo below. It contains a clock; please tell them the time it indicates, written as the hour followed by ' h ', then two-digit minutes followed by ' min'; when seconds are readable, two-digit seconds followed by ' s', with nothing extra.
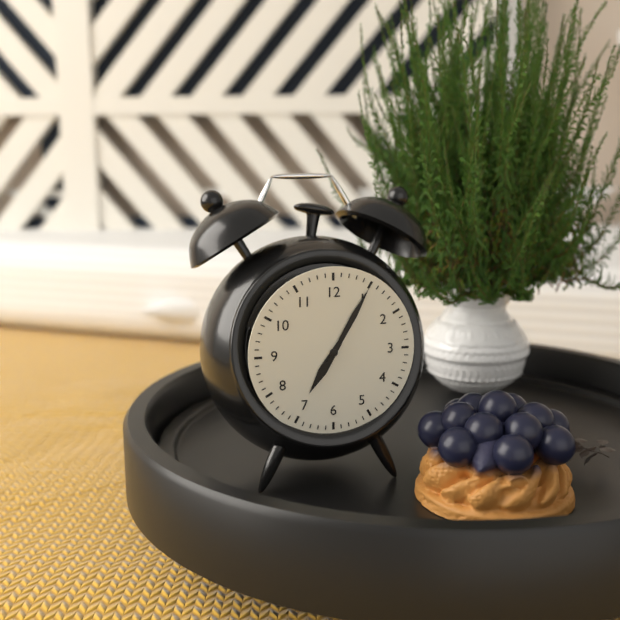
7 h 05 min
